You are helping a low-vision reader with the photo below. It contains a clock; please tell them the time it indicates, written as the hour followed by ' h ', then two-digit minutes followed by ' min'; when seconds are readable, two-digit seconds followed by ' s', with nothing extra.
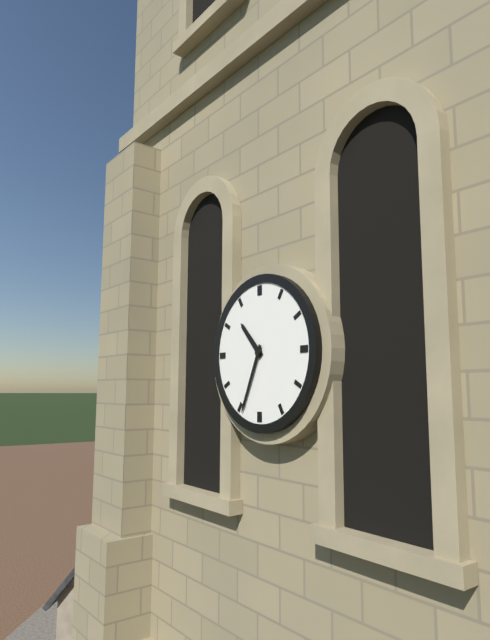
10 h 34 min
